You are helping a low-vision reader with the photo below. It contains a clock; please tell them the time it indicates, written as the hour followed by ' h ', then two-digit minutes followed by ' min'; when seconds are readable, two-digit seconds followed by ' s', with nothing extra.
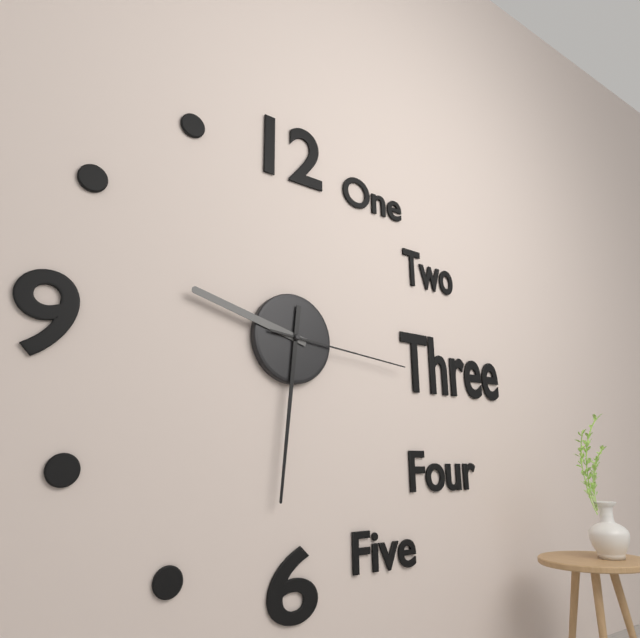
9 h 31 min 16 s
